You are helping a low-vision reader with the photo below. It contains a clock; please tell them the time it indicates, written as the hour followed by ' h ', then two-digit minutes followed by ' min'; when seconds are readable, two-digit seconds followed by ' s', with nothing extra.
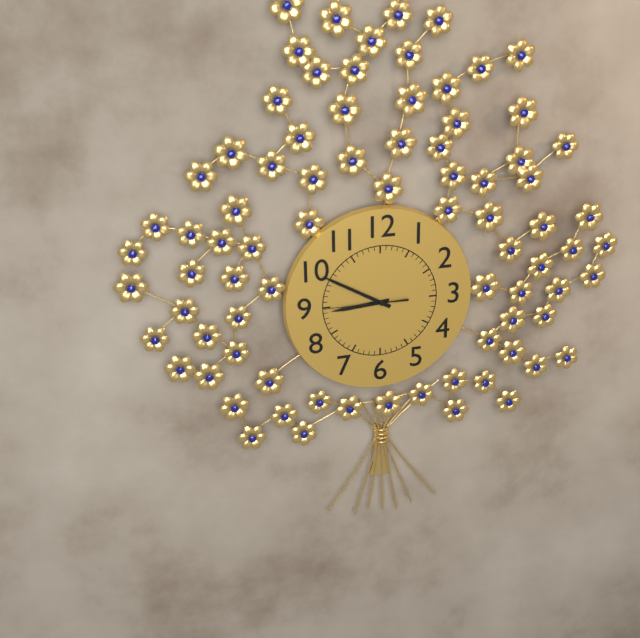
8 h 50 min 45 s
